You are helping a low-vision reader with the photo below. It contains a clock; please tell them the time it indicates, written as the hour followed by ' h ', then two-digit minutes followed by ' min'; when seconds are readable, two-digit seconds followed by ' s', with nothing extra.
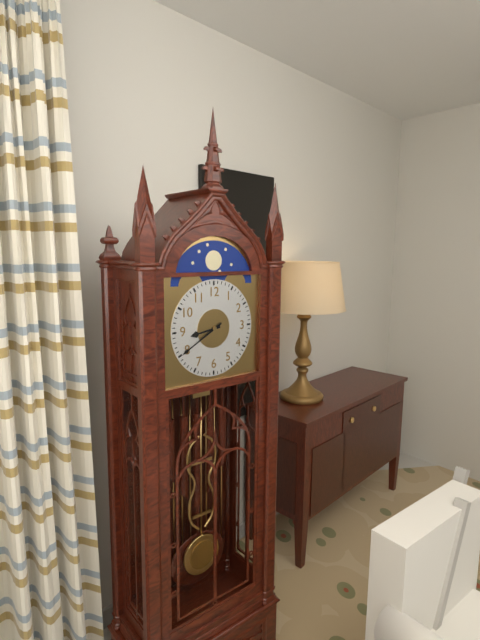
8 h 40 min
